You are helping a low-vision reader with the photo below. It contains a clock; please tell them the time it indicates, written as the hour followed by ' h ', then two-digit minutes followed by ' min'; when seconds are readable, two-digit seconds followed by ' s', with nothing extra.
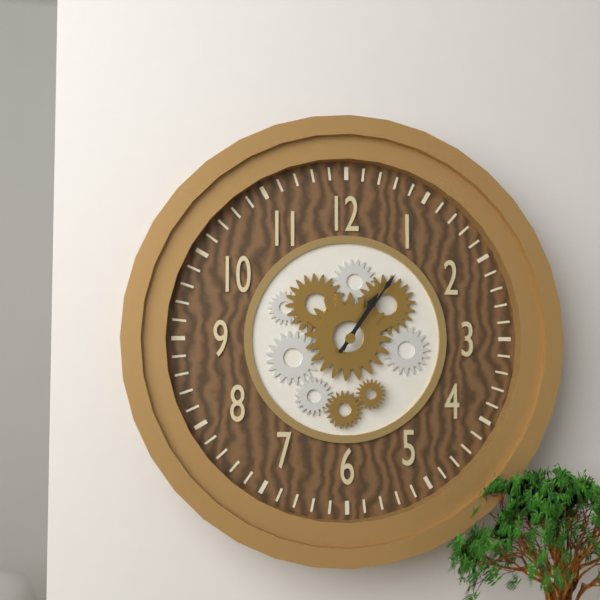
1 h 06 min
